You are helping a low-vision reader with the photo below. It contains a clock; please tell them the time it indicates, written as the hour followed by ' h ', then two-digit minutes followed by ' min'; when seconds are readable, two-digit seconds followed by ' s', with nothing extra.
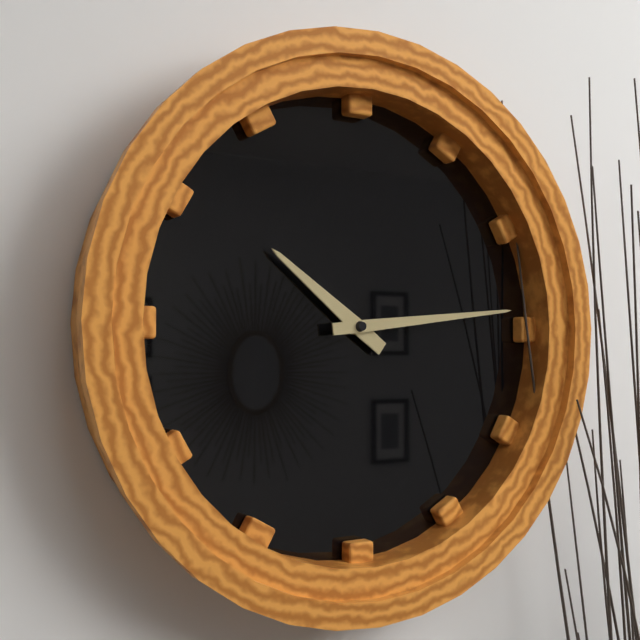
10 h 14 min
